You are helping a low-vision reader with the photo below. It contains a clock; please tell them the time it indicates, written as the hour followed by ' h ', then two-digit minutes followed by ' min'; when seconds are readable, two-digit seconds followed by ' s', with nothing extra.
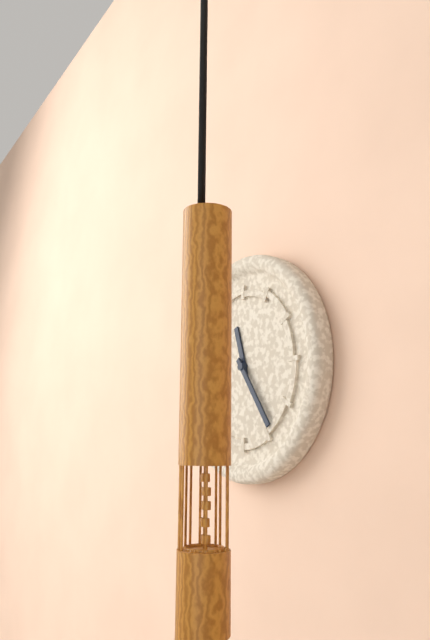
11 h 24 min
